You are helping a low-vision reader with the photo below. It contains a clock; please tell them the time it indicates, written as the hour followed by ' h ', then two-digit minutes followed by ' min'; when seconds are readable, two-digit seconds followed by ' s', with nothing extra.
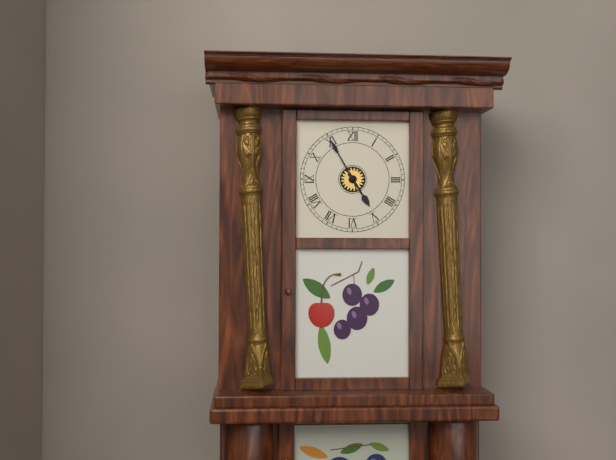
4 h 55 min
